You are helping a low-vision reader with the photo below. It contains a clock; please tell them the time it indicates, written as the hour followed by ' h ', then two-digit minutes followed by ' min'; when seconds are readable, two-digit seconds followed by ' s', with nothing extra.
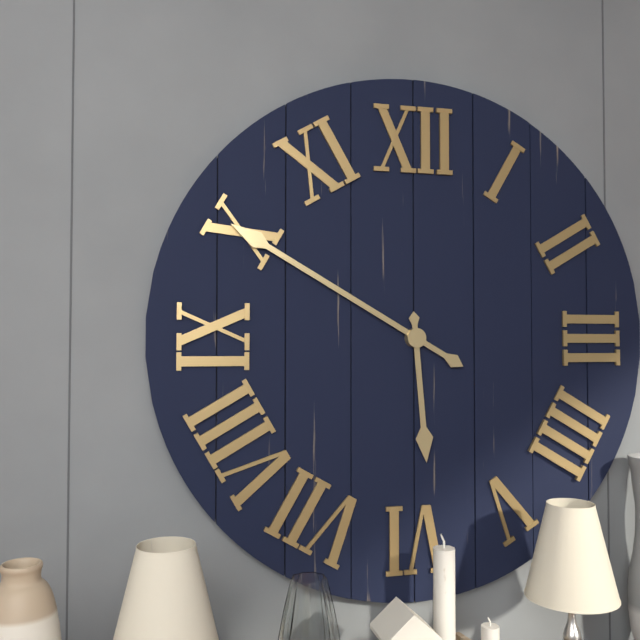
5 h 50 min
